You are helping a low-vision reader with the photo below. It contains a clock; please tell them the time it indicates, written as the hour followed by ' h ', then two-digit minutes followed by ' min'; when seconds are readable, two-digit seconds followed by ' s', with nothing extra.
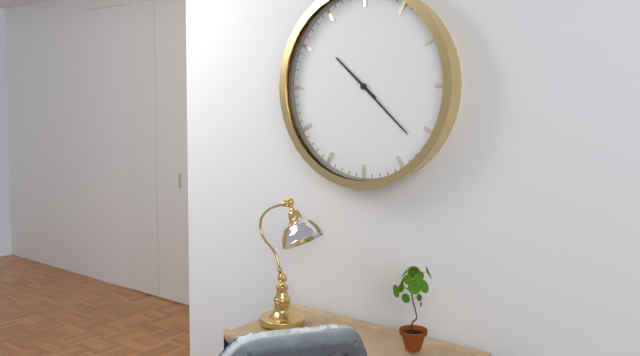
10 h 22 min
